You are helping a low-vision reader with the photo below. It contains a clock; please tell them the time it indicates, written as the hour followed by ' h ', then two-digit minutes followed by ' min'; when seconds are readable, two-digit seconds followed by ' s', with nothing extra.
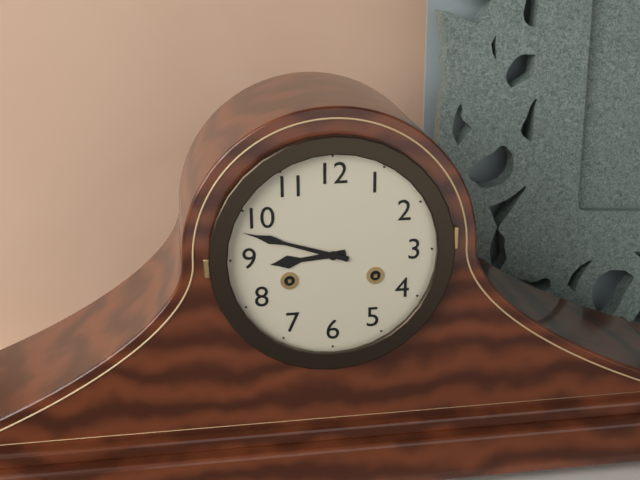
8 h 48 min
